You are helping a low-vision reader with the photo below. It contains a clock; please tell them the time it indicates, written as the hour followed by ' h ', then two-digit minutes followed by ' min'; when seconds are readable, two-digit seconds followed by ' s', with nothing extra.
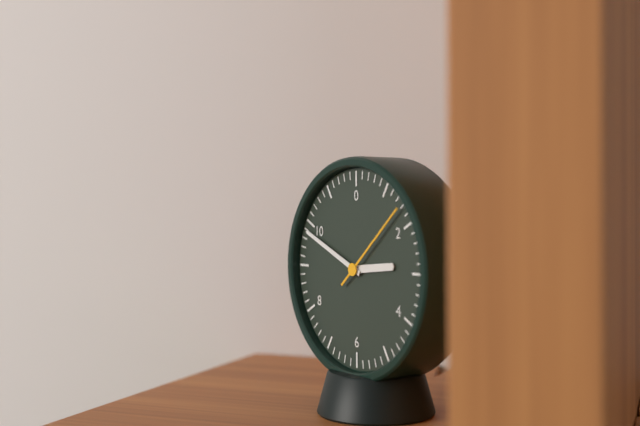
2 h 49 min 08 s
